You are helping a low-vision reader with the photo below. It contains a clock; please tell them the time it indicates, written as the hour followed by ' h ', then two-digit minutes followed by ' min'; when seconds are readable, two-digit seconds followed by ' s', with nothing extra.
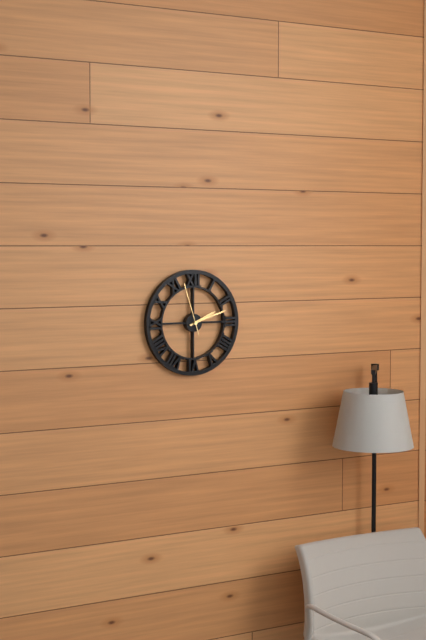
2 h 12 min 57 s
